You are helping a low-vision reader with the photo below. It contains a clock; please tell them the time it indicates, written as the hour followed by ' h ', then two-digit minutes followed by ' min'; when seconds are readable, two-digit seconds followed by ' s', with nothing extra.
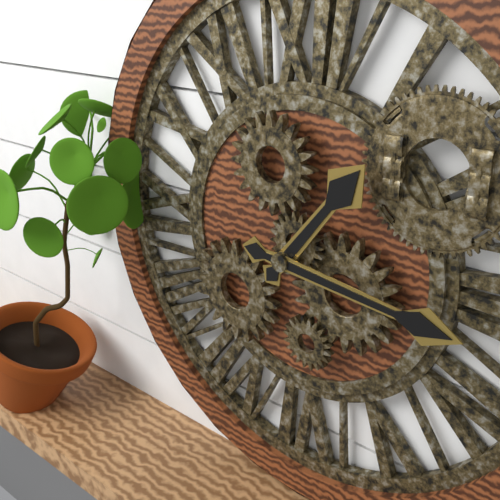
1 h 16 min
